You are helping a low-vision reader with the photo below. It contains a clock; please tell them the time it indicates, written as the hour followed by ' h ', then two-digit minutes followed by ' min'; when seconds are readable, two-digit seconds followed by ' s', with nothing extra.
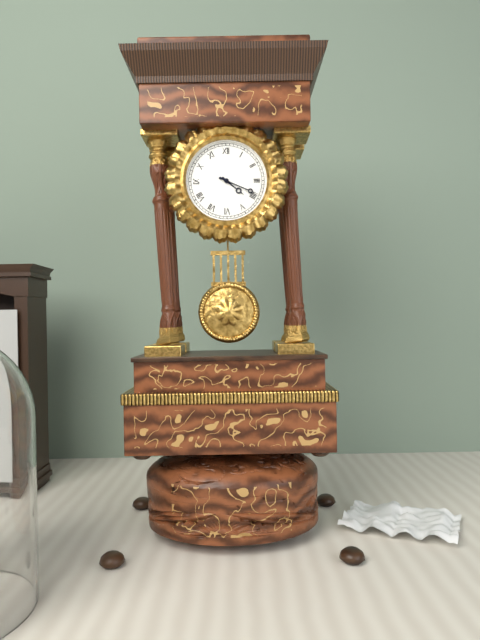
4 h 19 min
